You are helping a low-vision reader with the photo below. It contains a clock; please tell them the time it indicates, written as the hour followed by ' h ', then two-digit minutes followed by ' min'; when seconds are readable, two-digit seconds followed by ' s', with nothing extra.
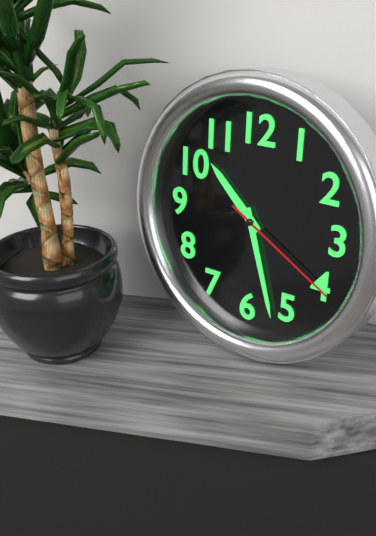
10 h 27 min 20 s
